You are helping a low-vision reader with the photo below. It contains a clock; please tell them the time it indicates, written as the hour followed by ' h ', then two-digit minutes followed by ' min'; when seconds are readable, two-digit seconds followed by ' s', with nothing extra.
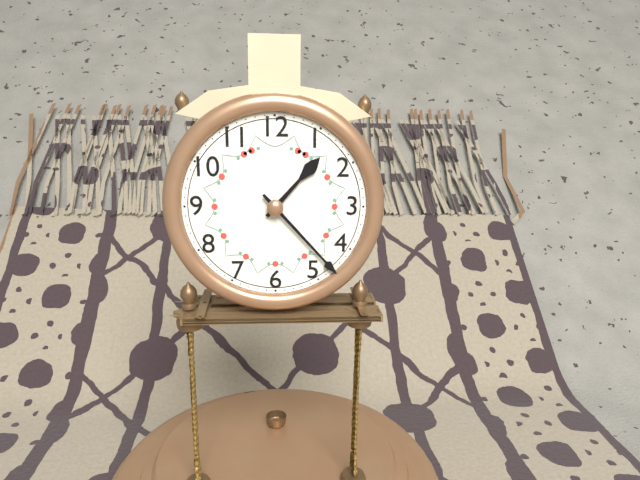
1 h 23 min
